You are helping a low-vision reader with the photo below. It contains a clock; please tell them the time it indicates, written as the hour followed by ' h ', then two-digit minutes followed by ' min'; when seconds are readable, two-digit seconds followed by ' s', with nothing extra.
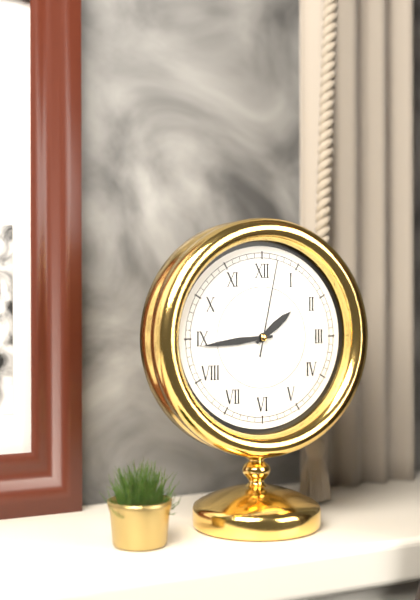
1 h 44 min 02 s
